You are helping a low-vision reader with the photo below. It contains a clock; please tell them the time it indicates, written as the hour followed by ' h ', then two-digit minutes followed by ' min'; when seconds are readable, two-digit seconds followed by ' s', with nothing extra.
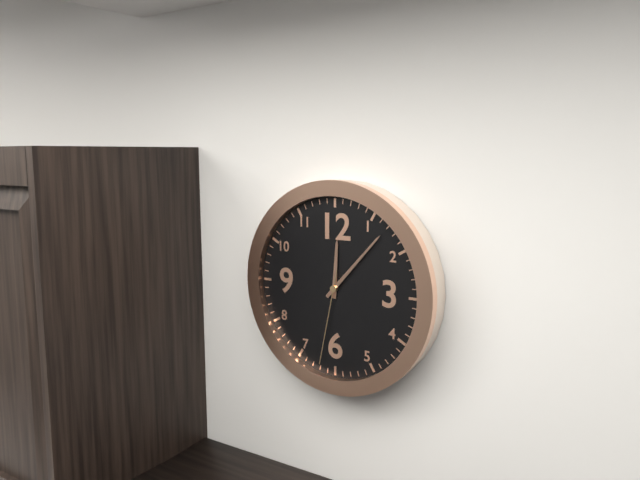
12 h 07 min 32 s
